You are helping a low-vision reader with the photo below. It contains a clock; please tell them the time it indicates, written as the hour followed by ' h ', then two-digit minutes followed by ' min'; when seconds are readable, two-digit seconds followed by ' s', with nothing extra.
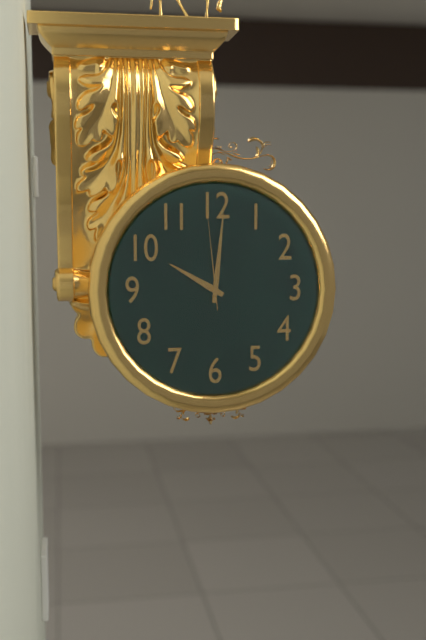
10 h 01 min 59 s
